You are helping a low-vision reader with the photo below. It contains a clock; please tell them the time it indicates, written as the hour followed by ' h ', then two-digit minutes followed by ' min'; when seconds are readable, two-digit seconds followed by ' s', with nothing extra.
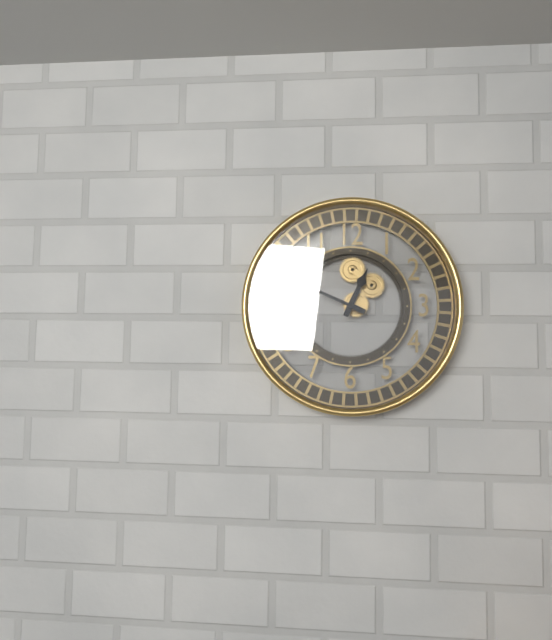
12 h 49 min
